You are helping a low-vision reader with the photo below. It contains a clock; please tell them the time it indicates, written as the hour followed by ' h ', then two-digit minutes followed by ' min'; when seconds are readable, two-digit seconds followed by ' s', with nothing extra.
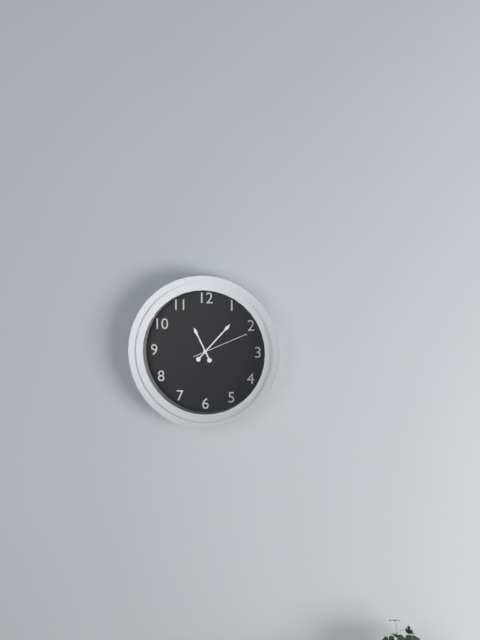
11 h 07 min 11 s
